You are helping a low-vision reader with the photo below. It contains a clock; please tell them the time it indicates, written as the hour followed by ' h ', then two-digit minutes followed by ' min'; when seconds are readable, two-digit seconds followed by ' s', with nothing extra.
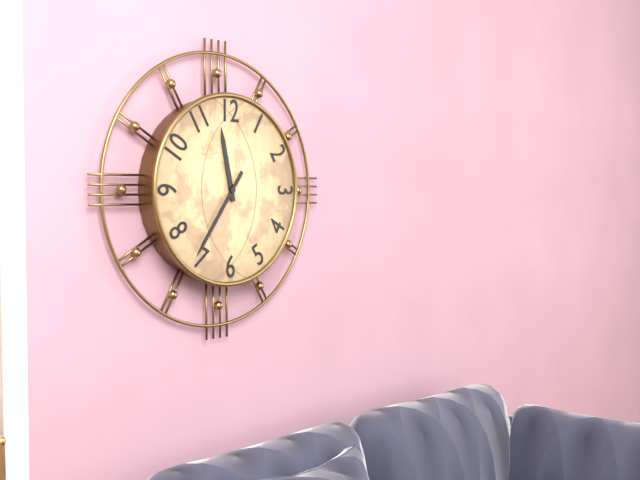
11 h 36 min
